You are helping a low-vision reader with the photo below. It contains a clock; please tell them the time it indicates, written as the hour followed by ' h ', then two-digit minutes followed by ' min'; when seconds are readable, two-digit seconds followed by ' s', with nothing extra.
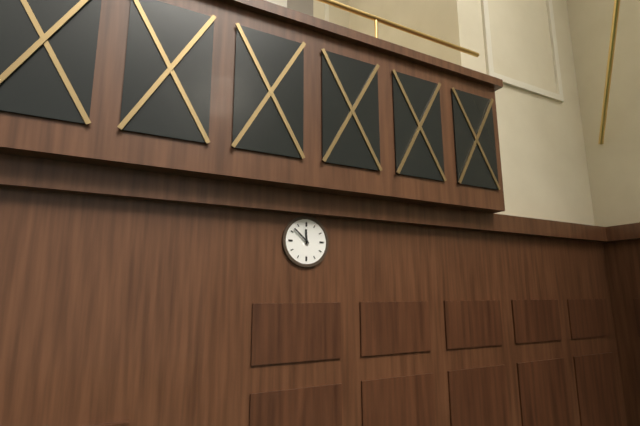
11 h 52 min
